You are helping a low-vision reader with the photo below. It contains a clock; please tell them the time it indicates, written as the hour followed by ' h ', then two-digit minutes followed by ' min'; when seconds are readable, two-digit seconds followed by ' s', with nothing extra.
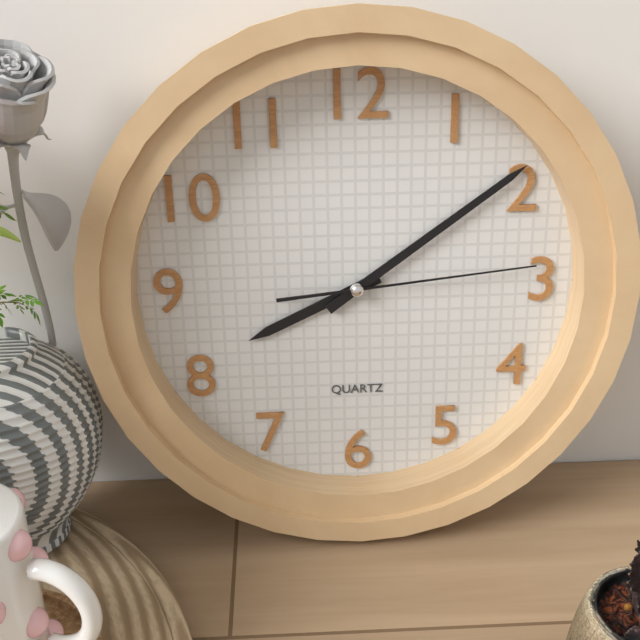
8 h 09 min 14 s
